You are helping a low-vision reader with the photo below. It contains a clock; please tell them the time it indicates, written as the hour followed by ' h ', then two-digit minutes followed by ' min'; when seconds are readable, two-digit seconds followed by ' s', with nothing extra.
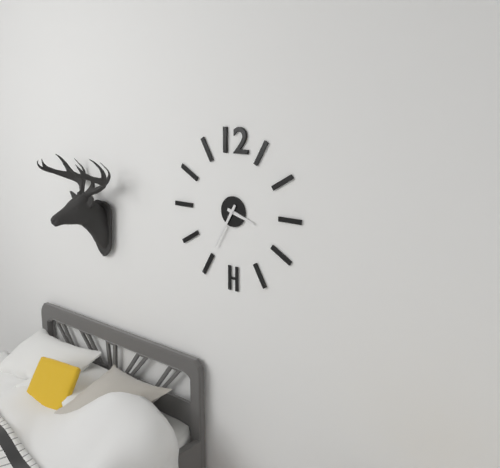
3 h 35 min
